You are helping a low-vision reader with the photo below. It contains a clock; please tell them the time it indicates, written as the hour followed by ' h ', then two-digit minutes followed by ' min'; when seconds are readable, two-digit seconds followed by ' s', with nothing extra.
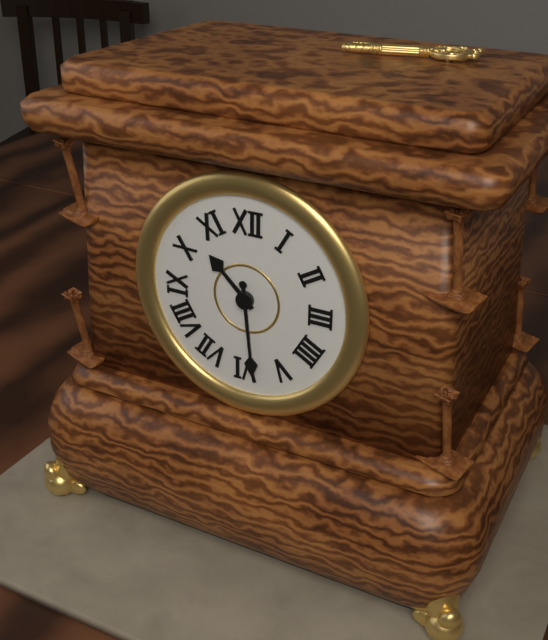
10 h 29 min
